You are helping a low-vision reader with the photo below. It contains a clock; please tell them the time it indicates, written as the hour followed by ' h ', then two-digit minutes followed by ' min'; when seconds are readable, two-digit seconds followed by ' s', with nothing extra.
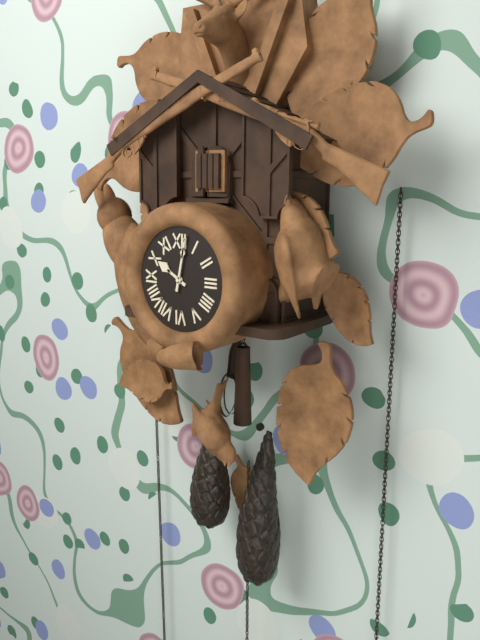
10 h 02 min
